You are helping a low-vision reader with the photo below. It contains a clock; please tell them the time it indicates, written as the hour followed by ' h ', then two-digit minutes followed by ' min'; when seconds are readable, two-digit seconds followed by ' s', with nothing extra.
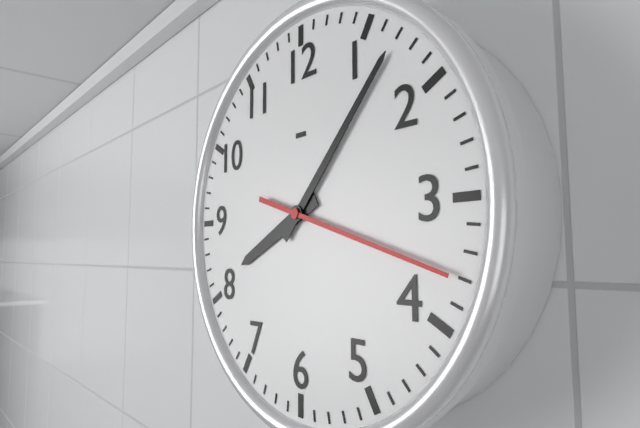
8 h 07 min 18 s
